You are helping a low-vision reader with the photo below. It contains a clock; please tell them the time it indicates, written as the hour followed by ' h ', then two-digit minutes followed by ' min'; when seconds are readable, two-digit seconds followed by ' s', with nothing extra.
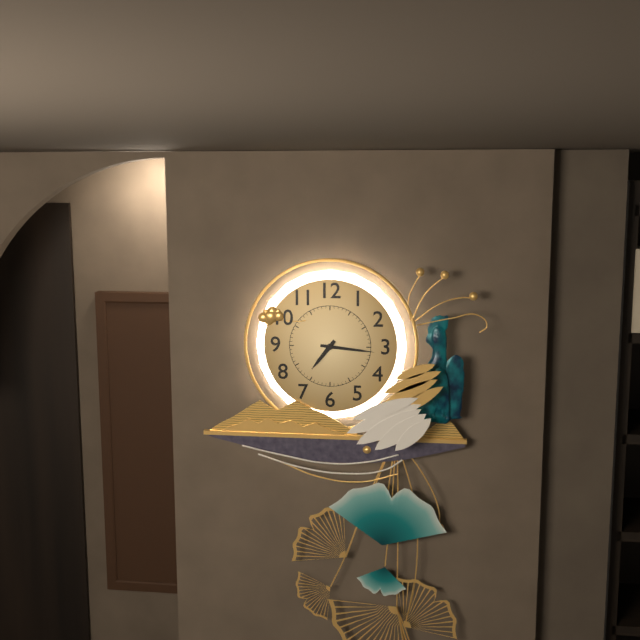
7 h 16 min
